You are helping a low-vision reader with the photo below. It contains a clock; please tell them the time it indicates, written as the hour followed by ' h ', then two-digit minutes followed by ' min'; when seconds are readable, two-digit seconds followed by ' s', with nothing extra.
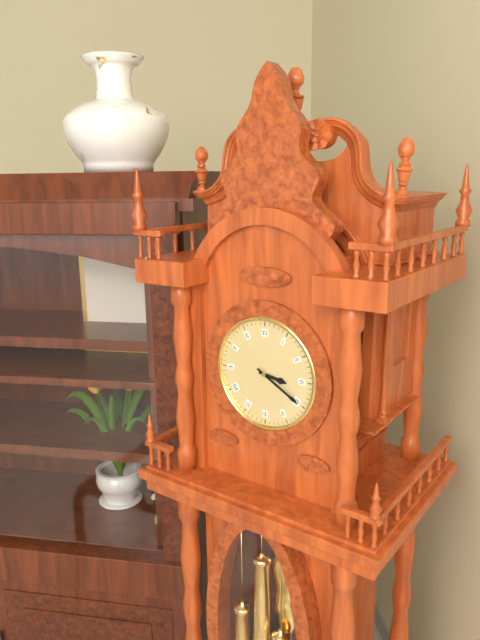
3 h 20 min
